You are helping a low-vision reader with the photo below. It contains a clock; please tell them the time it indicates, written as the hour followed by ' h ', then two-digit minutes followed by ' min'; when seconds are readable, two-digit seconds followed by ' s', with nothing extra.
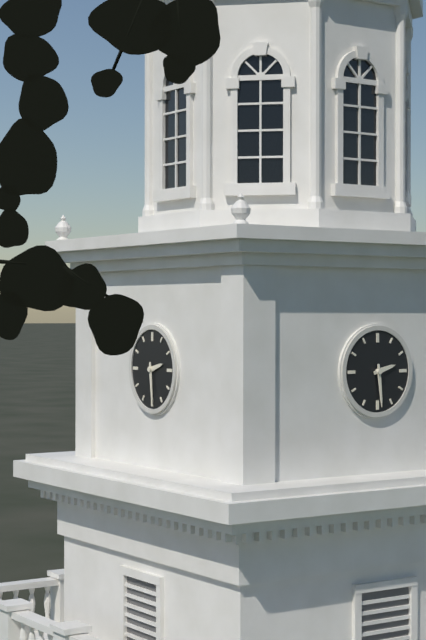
2 h 29 min
